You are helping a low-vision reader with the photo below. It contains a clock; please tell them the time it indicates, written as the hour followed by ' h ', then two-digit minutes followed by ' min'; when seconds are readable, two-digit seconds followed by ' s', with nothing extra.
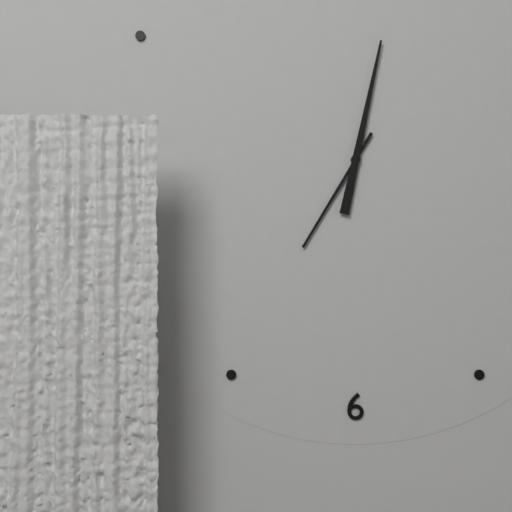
7 h 02 min
